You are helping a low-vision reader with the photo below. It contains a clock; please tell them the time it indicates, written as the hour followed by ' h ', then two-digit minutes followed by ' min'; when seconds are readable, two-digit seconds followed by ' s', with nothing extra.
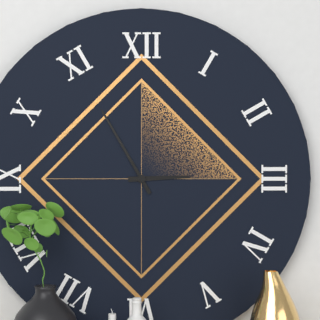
2 h 55 min
